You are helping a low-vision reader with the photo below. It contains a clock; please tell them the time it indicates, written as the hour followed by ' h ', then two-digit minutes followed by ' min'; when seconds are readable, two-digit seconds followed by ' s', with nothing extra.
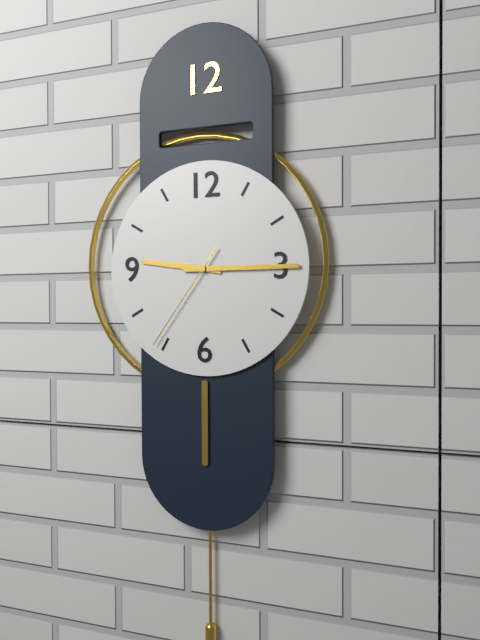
9 h 15 min 36 s
